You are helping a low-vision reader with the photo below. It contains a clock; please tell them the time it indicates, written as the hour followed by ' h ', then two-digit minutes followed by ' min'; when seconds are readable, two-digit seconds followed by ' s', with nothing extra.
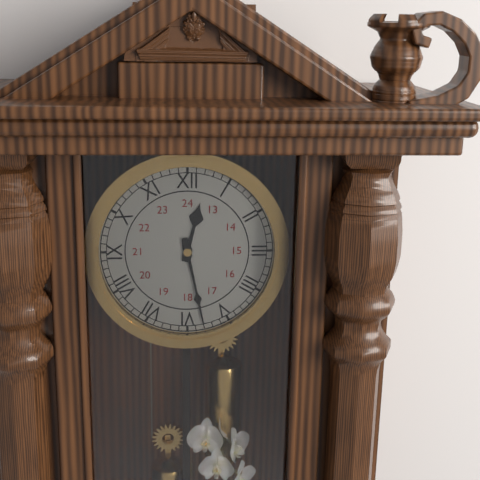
12 h 28 min
